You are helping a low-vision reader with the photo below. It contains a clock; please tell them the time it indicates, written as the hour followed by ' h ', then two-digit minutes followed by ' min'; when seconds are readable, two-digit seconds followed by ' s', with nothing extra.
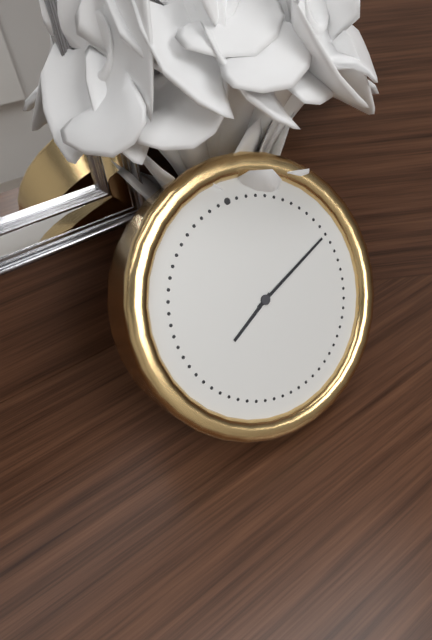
8 h 12 min
